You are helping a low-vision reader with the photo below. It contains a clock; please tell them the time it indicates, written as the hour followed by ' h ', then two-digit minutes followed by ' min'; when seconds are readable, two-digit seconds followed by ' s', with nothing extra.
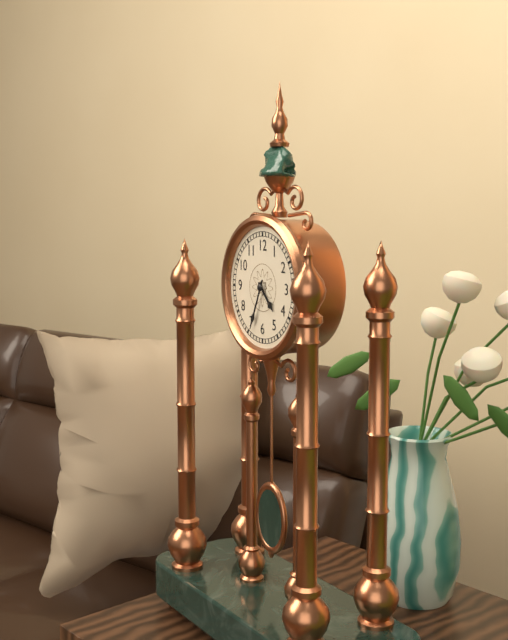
4 h 34 min
